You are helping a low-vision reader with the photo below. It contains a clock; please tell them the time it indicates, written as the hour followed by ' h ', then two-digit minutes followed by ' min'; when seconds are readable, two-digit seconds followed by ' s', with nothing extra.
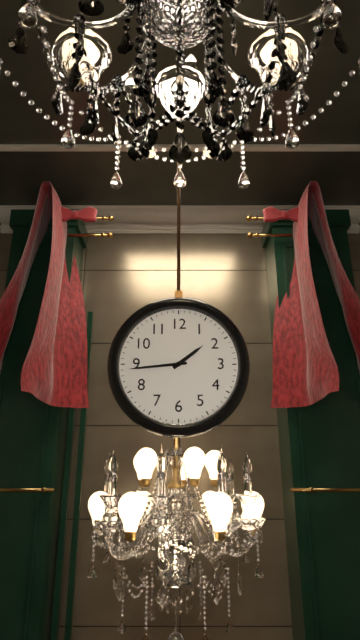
1 h 44 min
